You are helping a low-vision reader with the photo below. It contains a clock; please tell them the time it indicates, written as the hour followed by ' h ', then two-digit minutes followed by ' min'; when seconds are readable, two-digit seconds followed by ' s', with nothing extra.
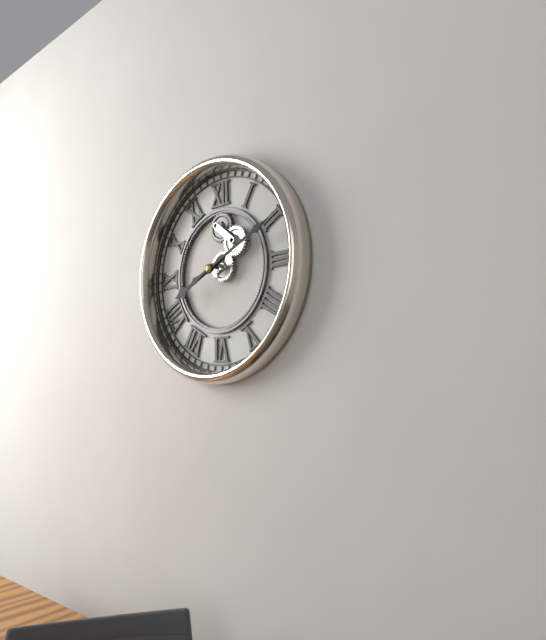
8 h 11 min
